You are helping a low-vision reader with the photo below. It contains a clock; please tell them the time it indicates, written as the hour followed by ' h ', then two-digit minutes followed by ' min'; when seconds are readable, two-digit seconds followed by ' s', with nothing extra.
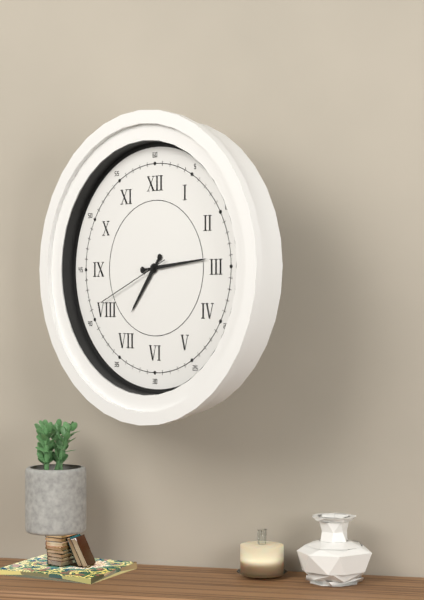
7 h 14 min 41 s
